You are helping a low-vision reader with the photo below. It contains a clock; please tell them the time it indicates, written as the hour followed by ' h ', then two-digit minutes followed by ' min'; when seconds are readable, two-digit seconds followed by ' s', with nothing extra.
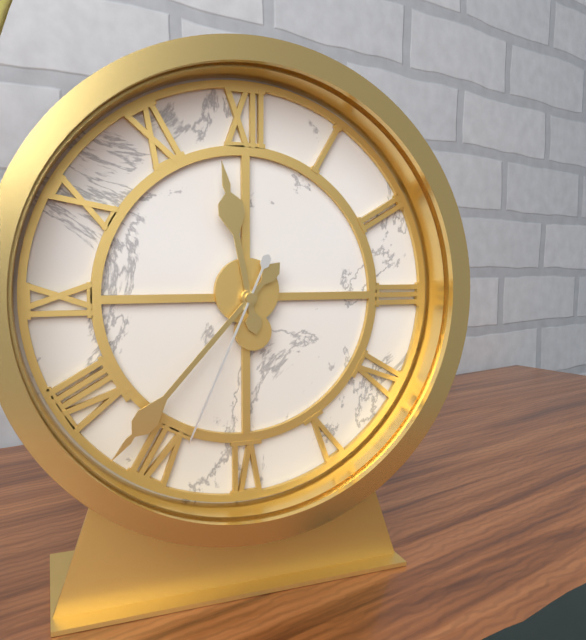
11 h 37 min 34 s
